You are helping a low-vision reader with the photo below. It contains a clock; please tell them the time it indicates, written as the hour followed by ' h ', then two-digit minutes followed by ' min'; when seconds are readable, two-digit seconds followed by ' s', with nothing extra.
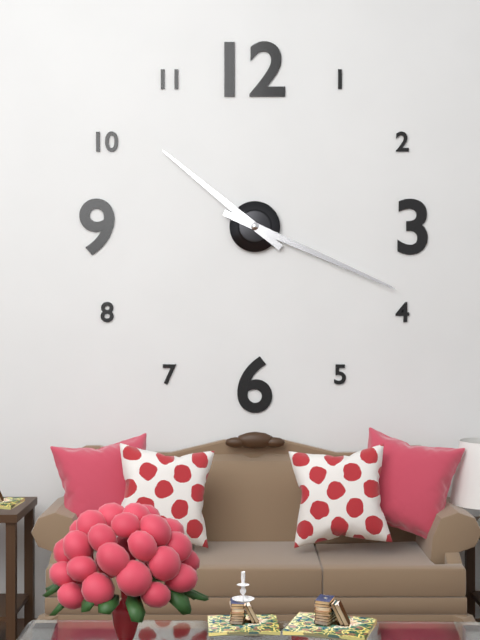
10 h 19 min
